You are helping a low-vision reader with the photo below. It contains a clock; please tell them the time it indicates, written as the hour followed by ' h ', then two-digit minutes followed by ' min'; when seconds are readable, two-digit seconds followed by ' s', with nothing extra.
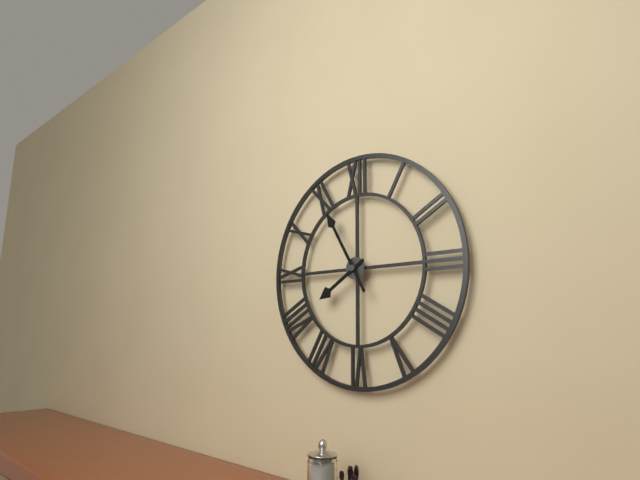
7 h 55 min
